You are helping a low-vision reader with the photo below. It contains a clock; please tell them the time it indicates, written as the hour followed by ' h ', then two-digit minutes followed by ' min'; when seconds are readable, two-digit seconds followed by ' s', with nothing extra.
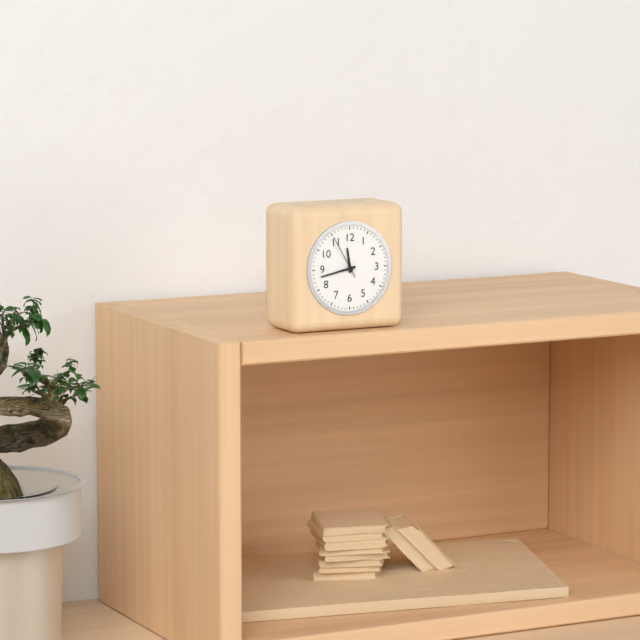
11 h 43 min
